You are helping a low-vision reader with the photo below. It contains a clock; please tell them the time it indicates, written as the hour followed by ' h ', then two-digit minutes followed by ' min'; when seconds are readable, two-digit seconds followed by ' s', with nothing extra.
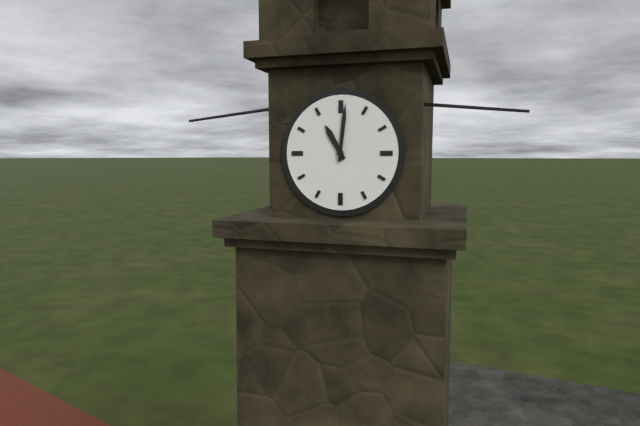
11 h 01 min
